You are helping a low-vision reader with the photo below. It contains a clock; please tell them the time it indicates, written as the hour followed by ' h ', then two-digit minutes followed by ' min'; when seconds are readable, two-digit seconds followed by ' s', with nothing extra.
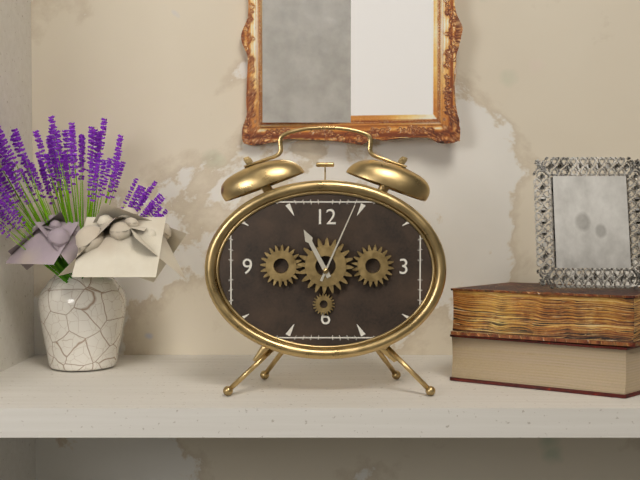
11 h 04 min
